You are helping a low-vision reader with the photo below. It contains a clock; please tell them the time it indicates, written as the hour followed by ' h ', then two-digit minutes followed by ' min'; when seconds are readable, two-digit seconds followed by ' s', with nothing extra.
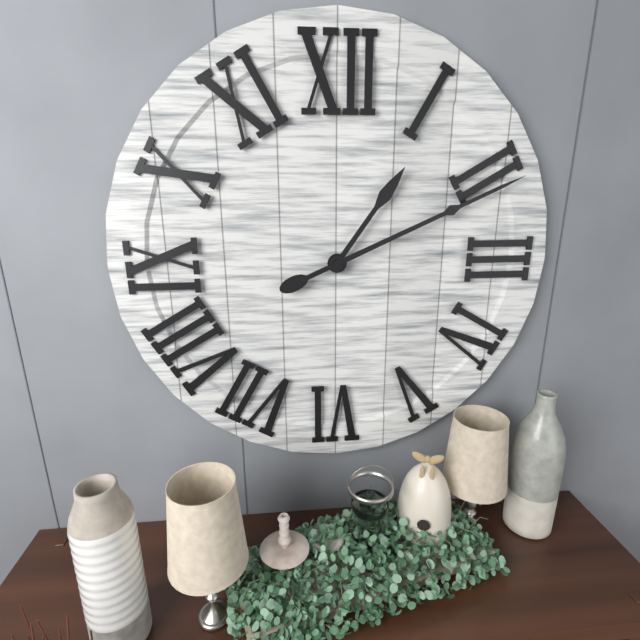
1 h 11 min
